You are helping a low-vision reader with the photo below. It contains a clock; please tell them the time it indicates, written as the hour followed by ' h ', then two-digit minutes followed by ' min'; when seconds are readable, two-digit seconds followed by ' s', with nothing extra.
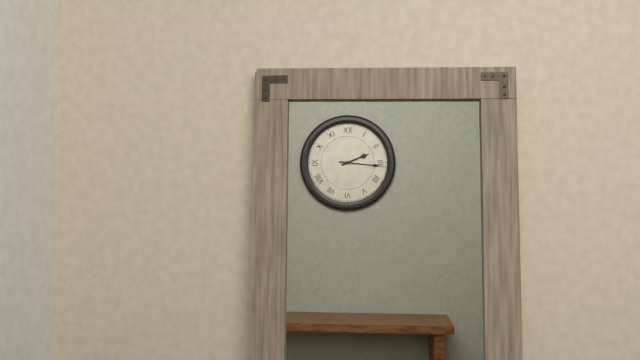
2 h 16 min
